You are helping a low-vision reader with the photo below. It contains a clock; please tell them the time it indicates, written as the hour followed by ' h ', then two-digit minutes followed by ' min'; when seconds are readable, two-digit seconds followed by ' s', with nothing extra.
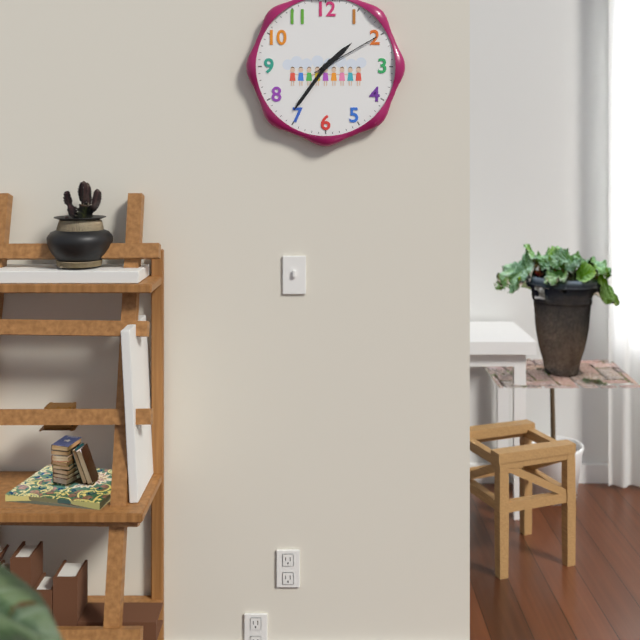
1 h 36 min 10 s
